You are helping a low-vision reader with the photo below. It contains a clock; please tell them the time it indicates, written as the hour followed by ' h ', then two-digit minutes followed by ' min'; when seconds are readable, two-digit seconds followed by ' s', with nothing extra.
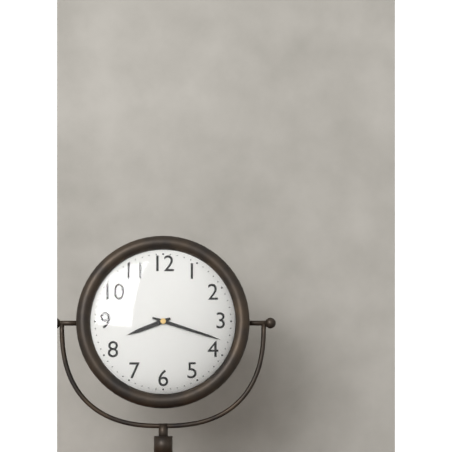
8 h 18 min
